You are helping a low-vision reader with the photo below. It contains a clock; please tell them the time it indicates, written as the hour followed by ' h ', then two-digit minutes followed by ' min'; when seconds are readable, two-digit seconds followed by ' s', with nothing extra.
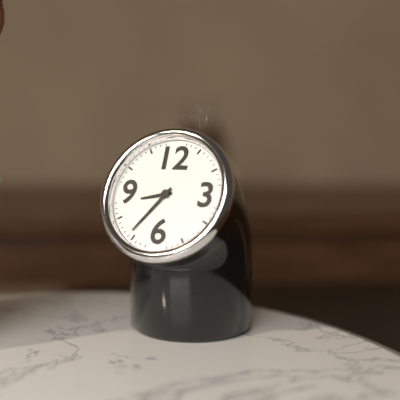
8 h 36 min
